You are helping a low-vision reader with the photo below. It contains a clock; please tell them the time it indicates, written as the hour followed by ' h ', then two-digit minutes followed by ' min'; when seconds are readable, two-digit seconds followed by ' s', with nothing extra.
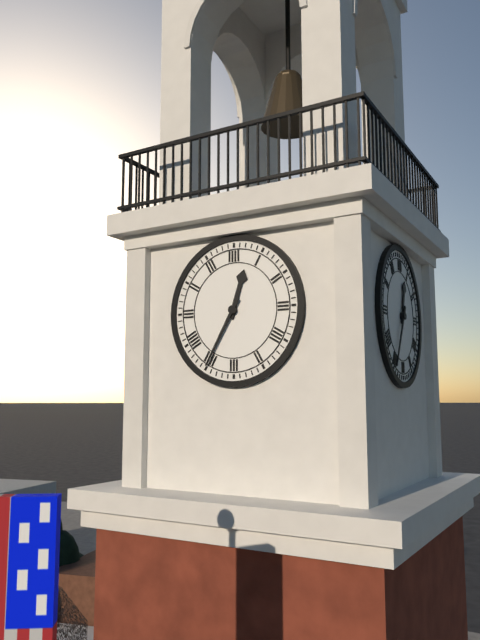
12 h 35 min
